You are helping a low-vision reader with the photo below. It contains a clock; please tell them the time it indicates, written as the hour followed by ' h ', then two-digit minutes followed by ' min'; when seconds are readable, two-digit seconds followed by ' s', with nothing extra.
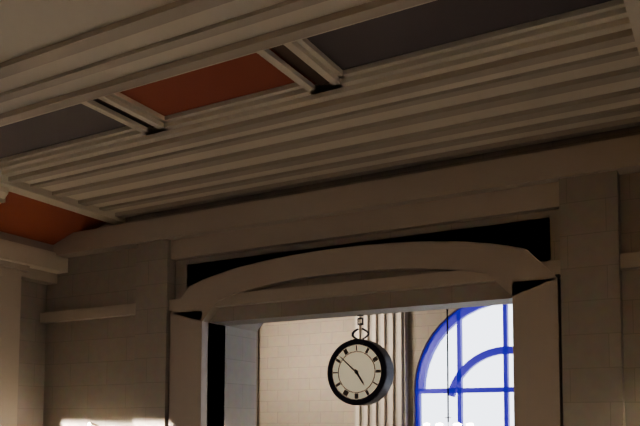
4 h 52 min
